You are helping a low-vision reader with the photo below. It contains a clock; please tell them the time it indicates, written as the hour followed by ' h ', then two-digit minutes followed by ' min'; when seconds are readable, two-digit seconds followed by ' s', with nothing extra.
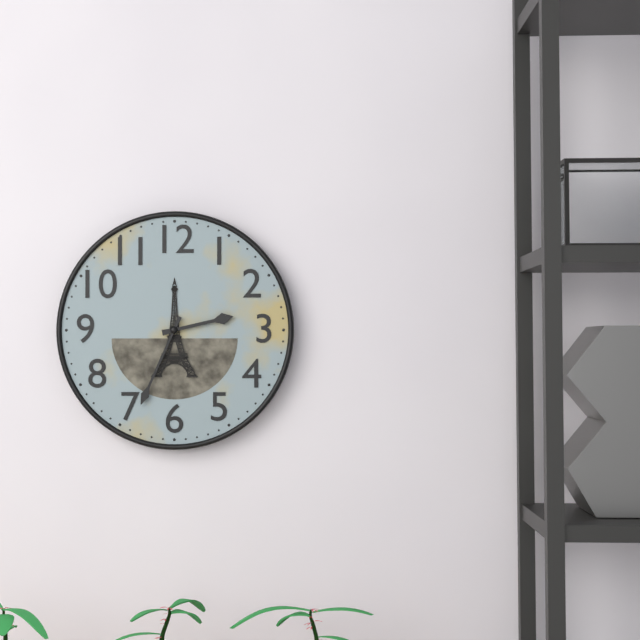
2 h 34 min
